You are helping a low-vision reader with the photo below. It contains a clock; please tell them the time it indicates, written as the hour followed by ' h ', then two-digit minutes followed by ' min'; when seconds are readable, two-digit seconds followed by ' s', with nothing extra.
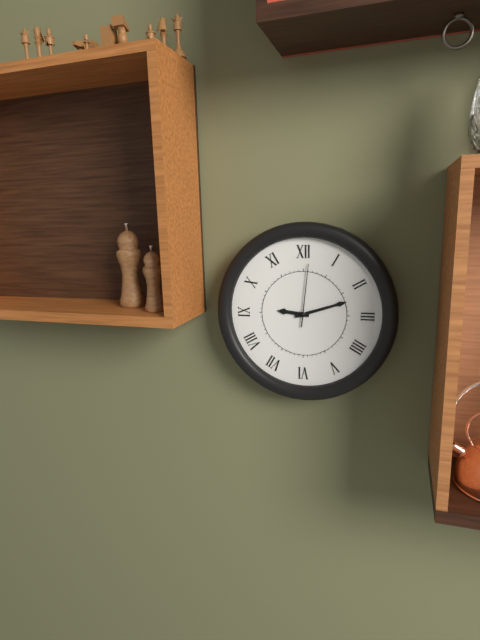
9 h 12 min 01 s
